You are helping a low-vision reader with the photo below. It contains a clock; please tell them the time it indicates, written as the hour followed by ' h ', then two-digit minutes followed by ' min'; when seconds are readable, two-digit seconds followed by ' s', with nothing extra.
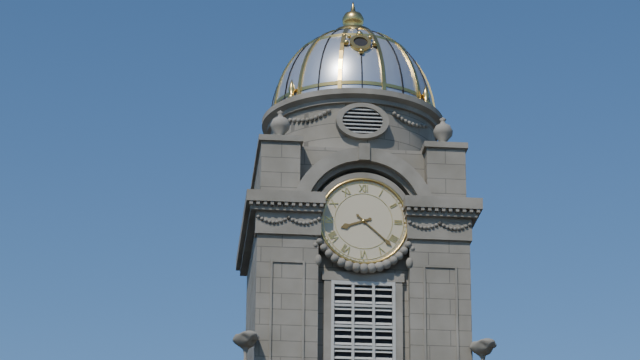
8 h 22 min
